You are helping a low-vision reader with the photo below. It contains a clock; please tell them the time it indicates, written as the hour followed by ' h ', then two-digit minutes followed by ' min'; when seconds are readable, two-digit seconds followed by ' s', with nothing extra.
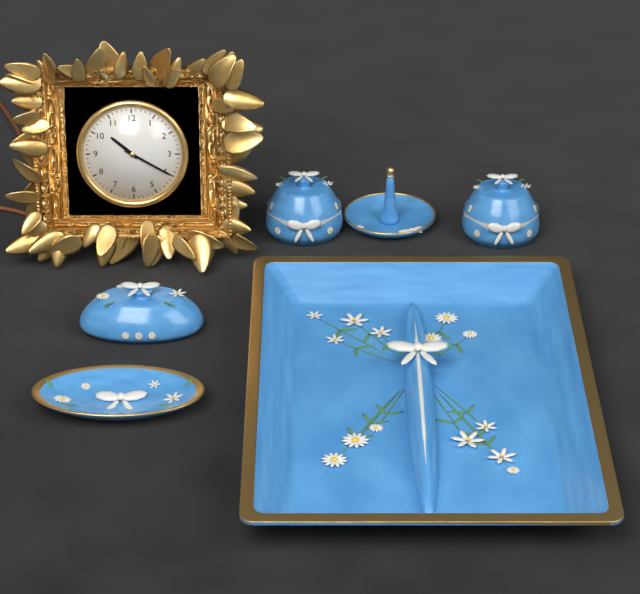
10 h 20 min
